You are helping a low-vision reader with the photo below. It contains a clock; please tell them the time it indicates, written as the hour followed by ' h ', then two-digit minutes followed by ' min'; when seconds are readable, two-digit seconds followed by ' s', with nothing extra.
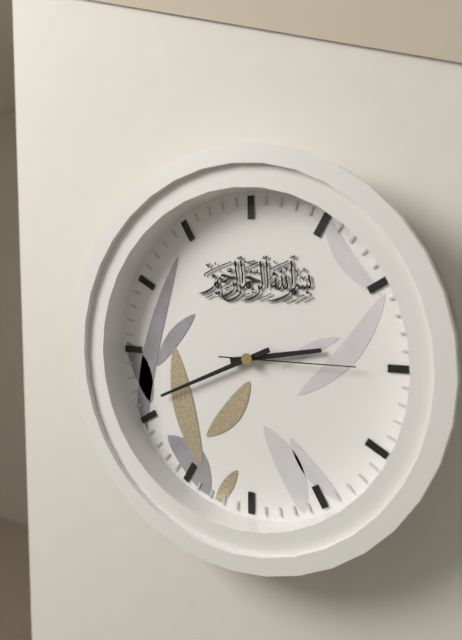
2 h 41 min 15 s
